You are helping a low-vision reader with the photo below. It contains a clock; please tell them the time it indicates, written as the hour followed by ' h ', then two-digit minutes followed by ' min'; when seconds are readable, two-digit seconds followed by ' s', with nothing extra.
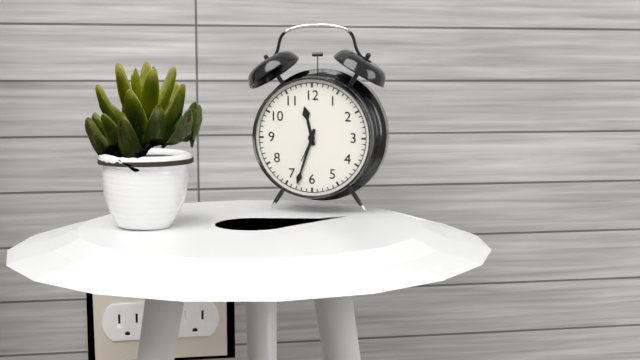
11 h 33 min
